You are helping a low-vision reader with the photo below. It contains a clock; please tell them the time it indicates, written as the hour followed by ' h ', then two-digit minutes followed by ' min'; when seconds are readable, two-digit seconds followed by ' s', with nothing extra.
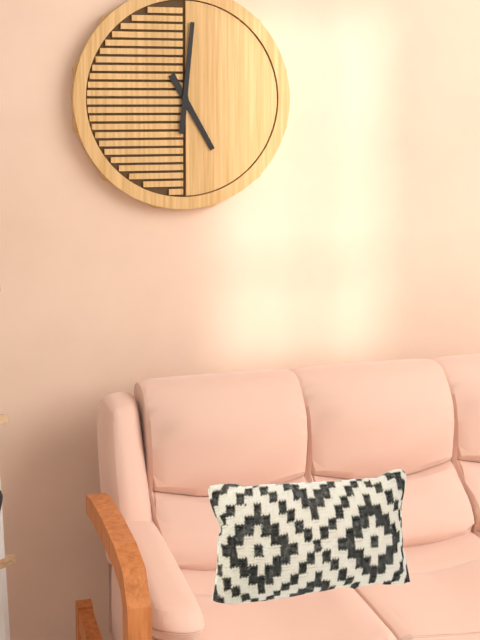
5 h 01 min
